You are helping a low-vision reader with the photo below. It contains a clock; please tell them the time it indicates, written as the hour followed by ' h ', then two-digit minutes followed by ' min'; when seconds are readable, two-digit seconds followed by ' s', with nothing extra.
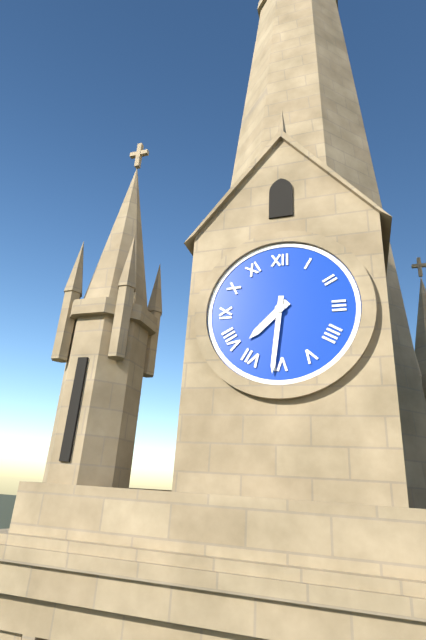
7 h 31 min
